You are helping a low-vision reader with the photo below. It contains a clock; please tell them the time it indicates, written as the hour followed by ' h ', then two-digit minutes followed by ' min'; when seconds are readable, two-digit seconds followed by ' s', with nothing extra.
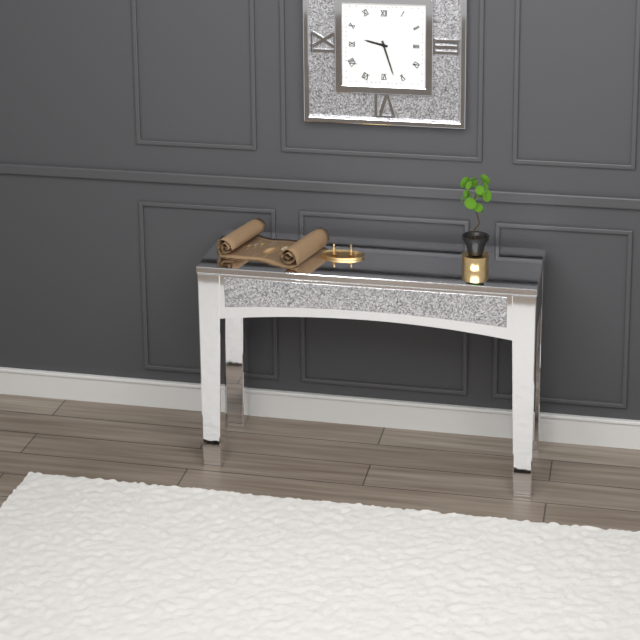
9 h 27 min
